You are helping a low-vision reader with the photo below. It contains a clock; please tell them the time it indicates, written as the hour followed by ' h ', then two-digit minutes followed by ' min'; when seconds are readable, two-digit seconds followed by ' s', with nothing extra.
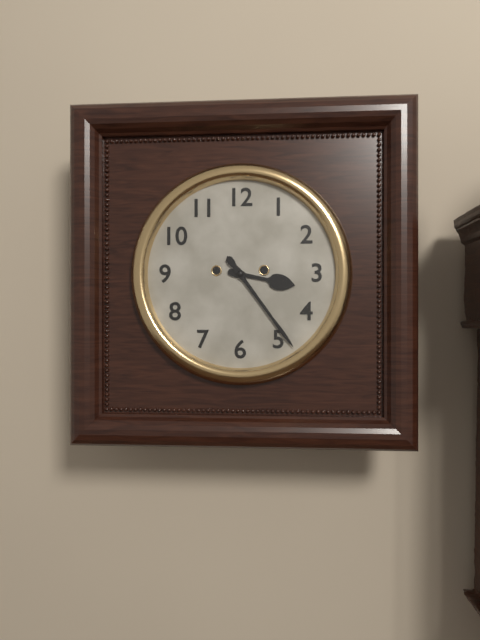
3 h 24 min
